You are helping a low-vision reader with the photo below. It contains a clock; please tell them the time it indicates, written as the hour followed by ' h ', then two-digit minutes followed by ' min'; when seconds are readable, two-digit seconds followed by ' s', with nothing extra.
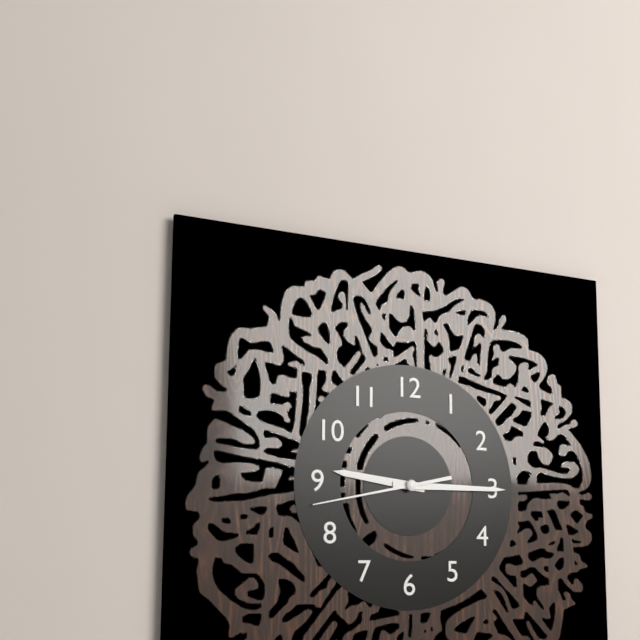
9 h 15 min 43 s
